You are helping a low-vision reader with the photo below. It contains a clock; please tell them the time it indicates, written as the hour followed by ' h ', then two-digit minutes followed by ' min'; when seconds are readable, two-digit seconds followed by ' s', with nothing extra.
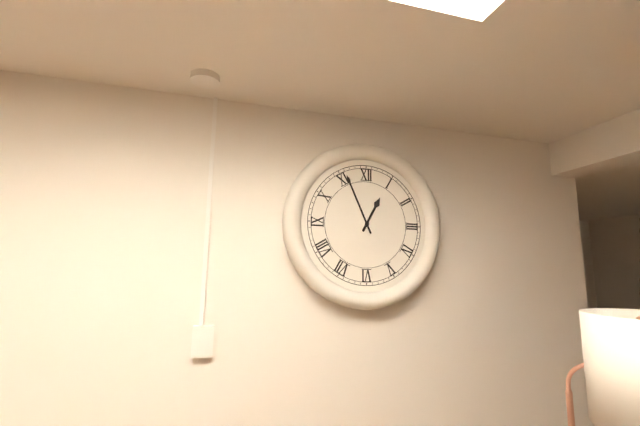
12 h 56 min
